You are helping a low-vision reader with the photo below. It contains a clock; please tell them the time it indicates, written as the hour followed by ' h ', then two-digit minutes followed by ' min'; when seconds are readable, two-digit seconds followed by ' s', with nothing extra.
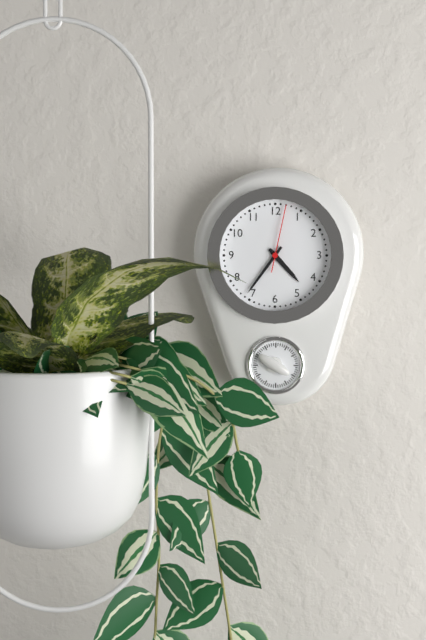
4 h 36 min 02 s
